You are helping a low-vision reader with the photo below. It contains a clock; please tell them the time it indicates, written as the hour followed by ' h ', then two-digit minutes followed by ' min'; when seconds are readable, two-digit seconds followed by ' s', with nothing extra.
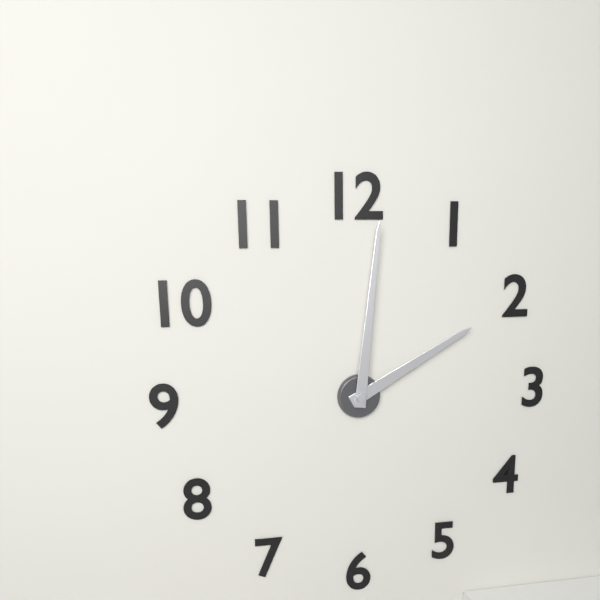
2 h 01 min
